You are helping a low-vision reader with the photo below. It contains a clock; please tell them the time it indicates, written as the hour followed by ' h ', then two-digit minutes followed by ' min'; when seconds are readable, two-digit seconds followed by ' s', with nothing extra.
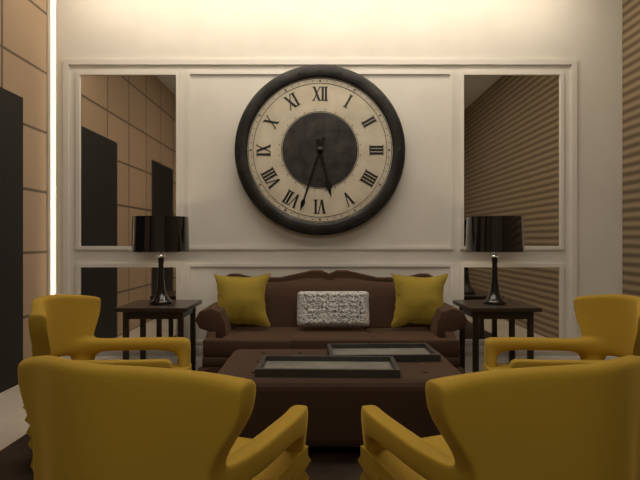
5 h 33 min
